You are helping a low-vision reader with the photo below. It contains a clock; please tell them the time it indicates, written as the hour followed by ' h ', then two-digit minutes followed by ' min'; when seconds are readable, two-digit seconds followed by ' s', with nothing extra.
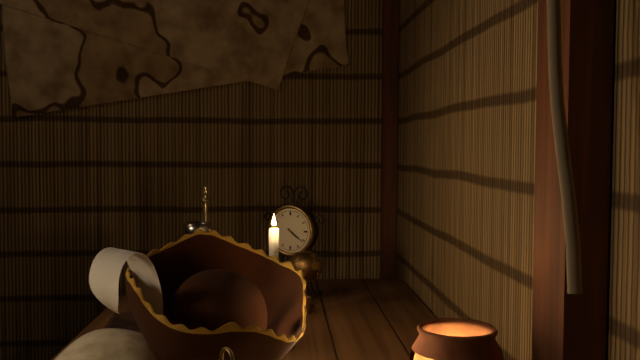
4 h 21 min
